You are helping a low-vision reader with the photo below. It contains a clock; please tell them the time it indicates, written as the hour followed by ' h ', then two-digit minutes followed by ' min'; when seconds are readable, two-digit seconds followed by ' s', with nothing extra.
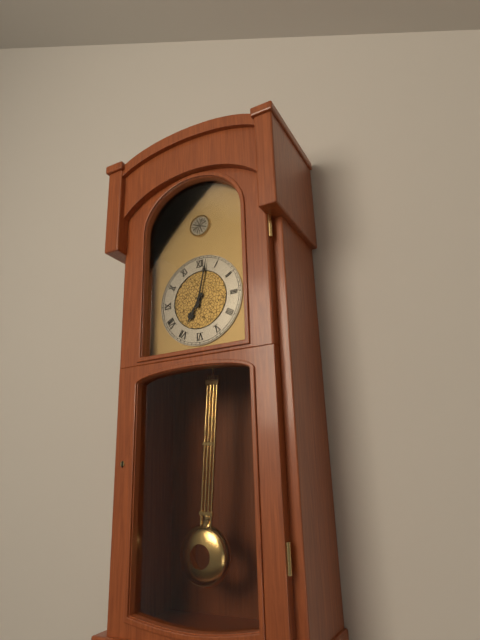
7 h 02 min
